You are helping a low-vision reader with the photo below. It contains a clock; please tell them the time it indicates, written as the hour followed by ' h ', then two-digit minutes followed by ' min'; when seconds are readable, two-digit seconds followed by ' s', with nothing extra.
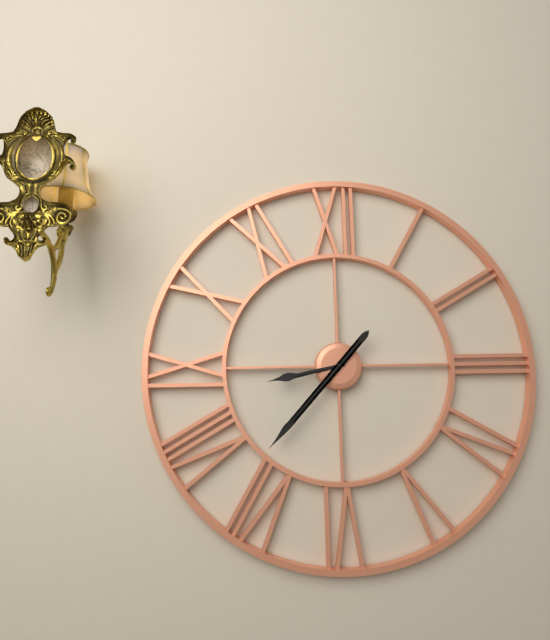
8 h 37 min
